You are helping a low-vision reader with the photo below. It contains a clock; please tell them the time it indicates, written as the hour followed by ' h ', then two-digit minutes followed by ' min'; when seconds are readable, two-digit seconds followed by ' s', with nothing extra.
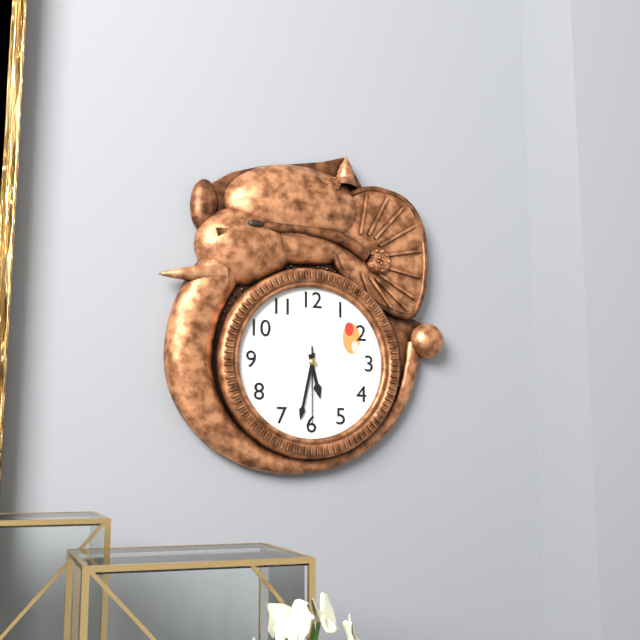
5 h 32 min 30 s
